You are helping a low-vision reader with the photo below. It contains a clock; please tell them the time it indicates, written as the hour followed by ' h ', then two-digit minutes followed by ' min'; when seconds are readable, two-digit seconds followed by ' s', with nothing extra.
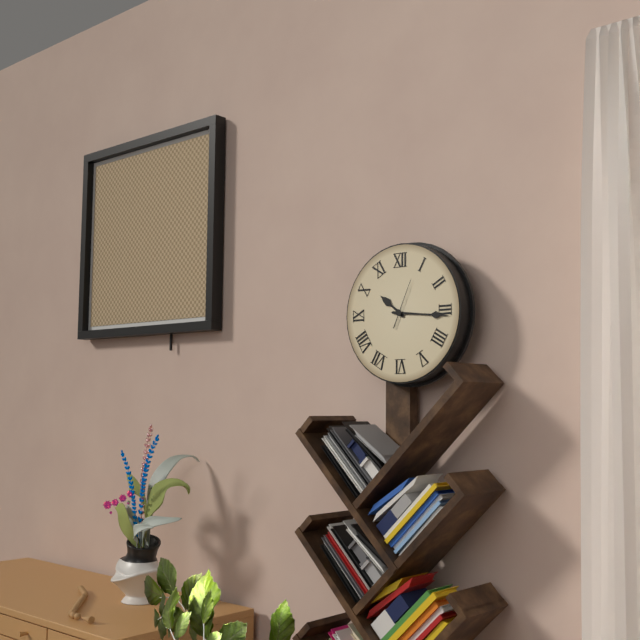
10 h 16 min
